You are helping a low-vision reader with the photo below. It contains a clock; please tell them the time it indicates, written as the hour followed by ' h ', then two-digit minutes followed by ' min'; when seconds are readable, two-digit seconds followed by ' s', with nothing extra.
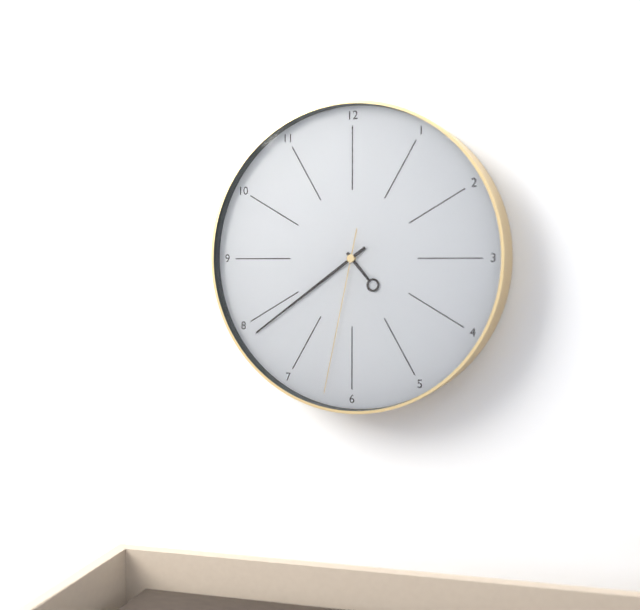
4 h 39 min 32 s
